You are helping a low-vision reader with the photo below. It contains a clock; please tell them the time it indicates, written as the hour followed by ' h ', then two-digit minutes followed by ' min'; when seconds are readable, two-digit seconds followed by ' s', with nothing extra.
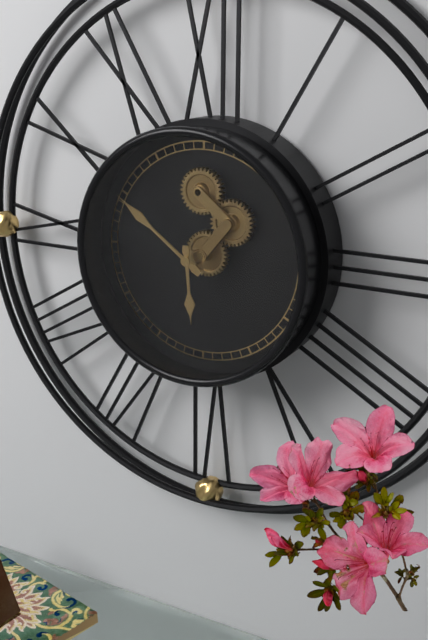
5 h 51 min
